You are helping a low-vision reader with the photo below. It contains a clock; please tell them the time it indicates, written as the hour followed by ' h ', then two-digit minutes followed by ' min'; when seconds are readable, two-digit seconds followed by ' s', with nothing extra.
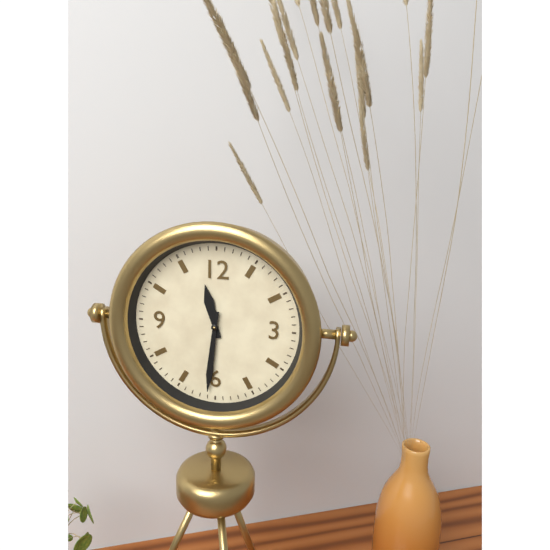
11 h 31 min
